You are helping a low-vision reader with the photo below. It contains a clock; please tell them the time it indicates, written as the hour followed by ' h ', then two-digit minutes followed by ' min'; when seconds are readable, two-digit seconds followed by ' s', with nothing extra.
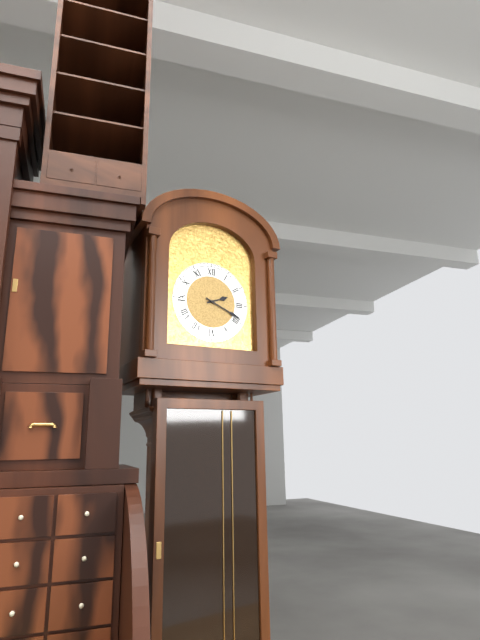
2 h 19 min
